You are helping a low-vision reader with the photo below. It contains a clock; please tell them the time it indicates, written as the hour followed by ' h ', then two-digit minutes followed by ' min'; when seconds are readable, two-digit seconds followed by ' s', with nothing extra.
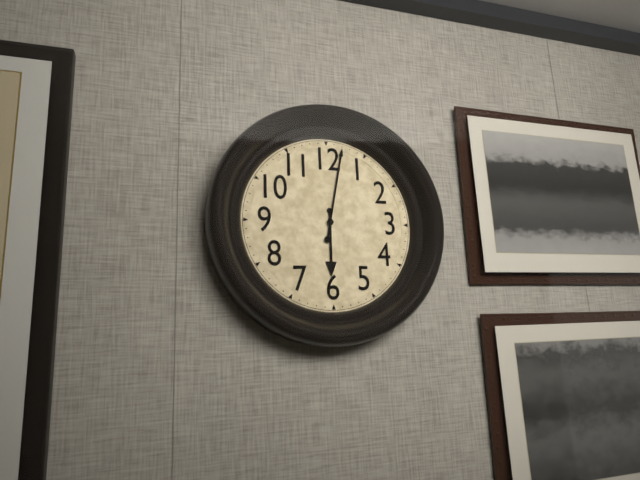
6 h 02 min
